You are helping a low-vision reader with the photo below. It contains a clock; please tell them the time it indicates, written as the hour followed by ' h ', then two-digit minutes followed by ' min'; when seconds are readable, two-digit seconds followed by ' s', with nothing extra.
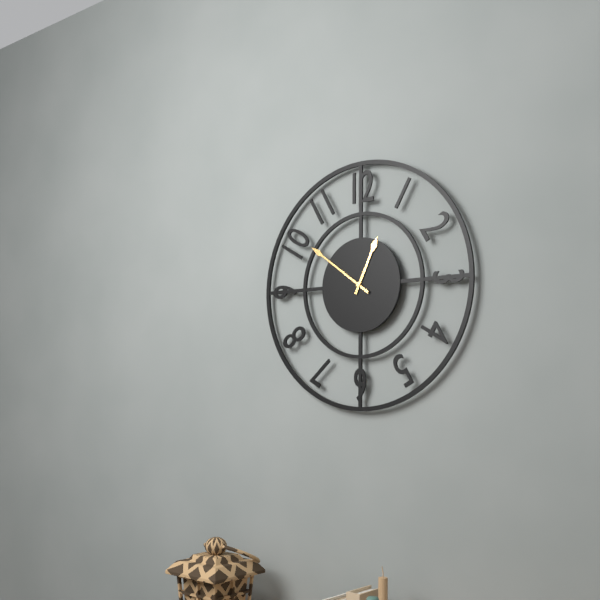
12 h 51 min
